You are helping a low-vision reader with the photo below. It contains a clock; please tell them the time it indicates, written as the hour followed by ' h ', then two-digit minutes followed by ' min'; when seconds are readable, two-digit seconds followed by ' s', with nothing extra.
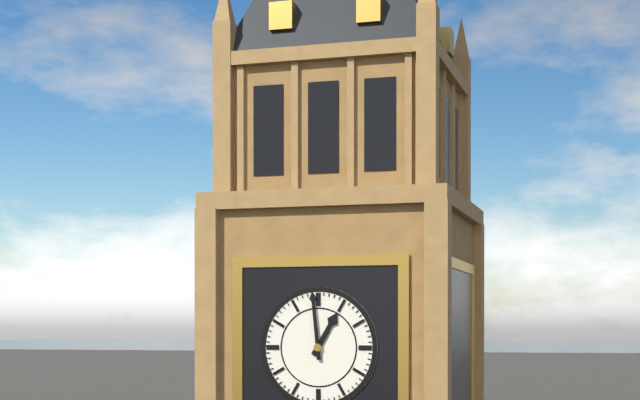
12 h 59 min
